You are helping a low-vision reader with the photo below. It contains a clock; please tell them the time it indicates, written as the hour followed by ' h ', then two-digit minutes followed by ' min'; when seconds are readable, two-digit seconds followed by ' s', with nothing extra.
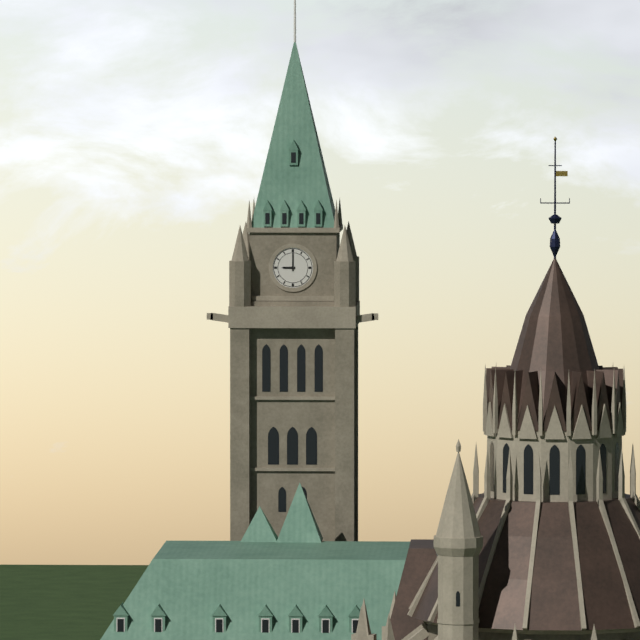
9 h 00 min
